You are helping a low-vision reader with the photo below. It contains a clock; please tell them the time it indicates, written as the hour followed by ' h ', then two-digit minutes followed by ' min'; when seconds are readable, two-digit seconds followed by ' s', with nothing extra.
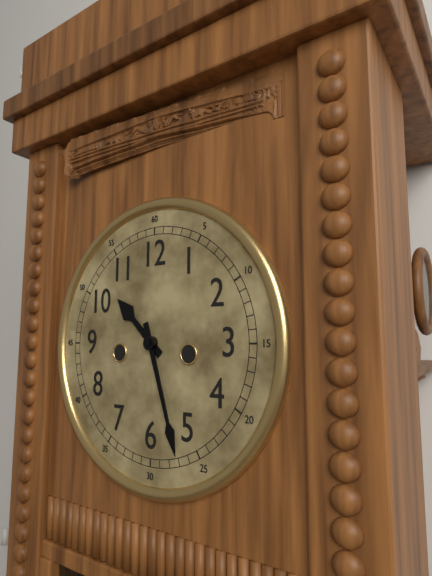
10 h 27 min
